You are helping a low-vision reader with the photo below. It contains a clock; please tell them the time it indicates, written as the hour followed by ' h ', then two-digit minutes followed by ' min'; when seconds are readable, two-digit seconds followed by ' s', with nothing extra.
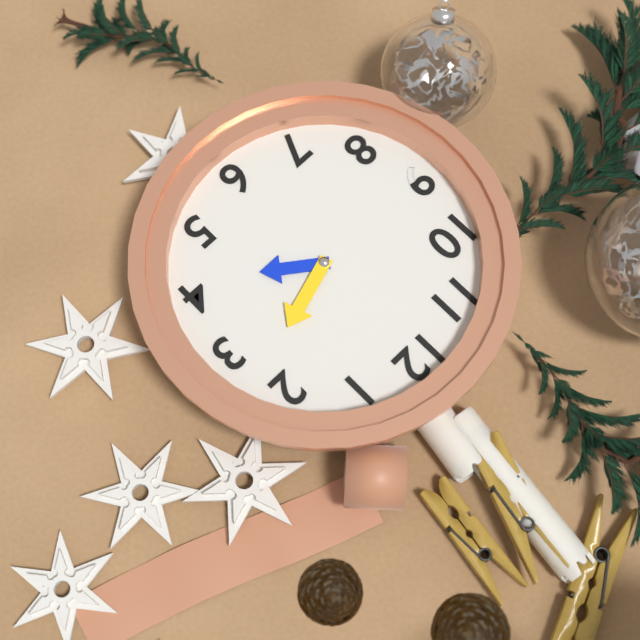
4 h 12 min
